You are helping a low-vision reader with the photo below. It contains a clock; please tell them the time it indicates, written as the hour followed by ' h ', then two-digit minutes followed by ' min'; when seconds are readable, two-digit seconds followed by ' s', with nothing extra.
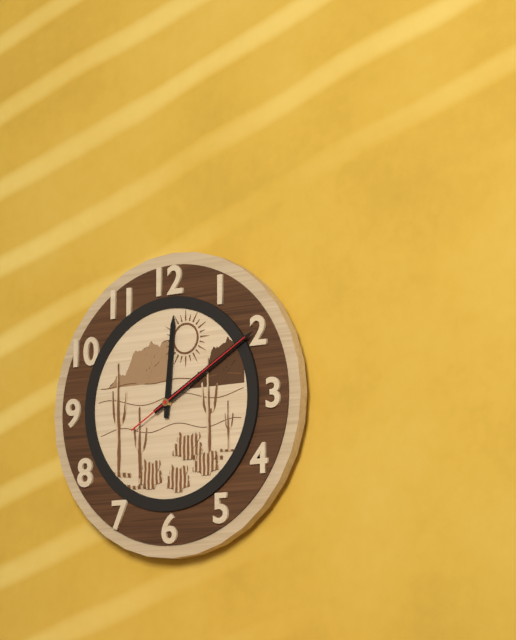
12 h 10 min 10 s
